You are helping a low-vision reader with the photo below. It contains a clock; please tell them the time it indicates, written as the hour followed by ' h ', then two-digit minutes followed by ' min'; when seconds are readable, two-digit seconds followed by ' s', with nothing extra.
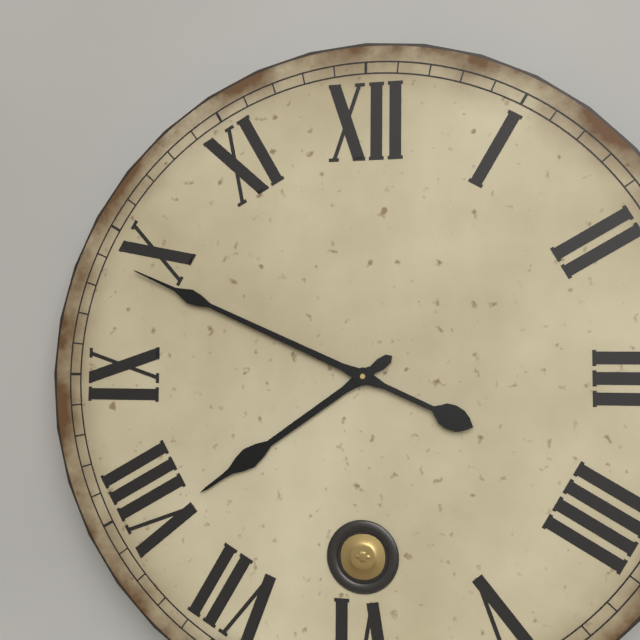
7 h 49 min
